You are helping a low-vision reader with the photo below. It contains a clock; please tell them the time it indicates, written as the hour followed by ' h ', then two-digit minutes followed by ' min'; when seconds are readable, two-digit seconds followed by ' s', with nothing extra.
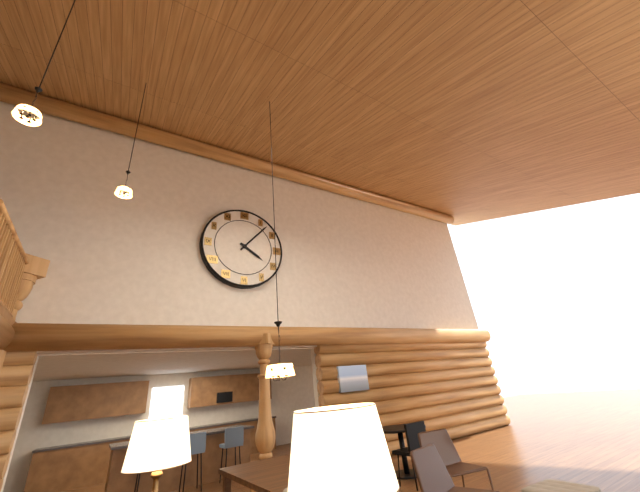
4 h 07 min
